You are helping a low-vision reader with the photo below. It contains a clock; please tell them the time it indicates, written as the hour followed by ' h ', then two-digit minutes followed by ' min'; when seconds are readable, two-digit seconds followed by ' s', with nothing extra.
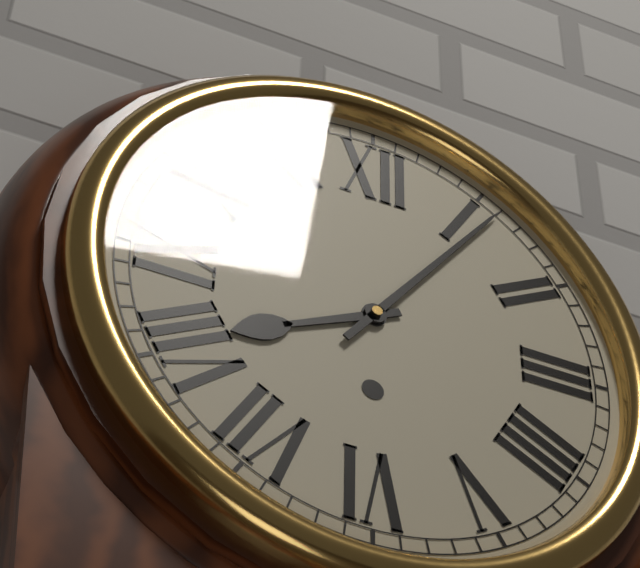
8 h 06 min
